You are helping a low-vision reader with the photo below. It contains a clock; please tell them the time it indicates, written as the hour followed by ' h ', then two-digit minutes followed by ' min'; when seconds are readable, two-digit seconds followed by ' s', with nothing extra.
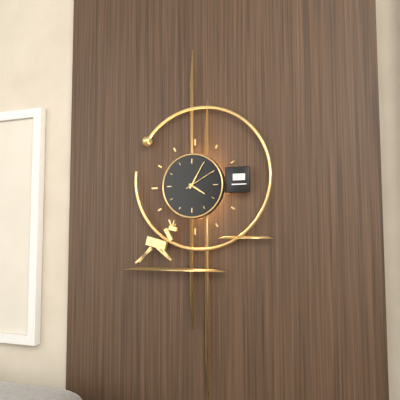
4 h 05 min
